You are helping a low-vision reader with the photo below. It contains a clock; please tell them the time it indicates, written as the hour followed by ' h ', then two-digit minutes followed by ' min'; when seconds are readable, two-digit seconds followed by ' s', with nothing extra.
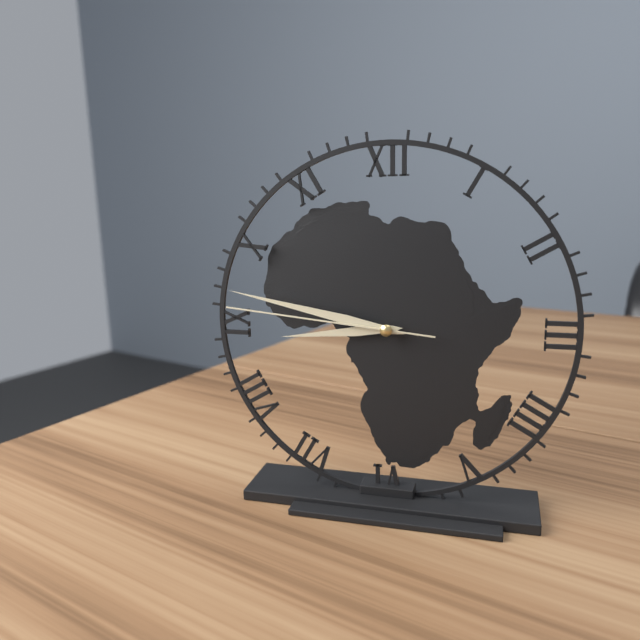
8 h 47 min 46 s
